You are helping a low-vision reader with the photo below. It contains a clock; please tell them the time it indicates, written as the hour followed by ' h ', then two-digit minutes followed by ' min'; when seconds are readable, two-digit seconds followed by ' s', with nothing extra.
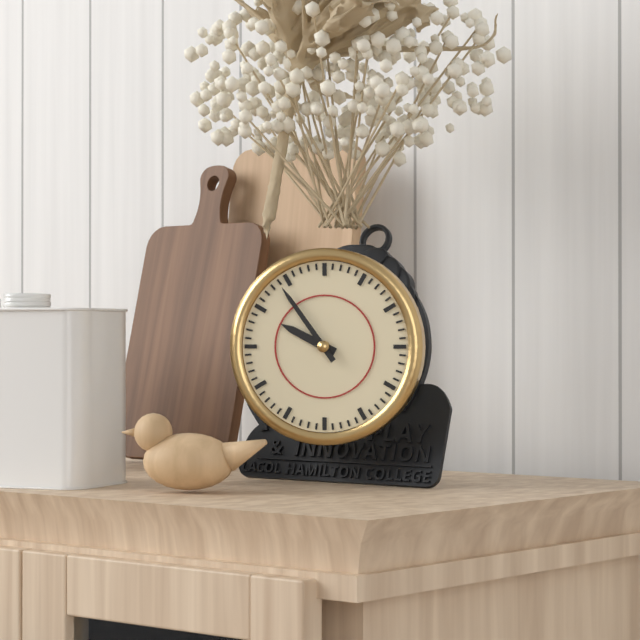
9 h 54 min
